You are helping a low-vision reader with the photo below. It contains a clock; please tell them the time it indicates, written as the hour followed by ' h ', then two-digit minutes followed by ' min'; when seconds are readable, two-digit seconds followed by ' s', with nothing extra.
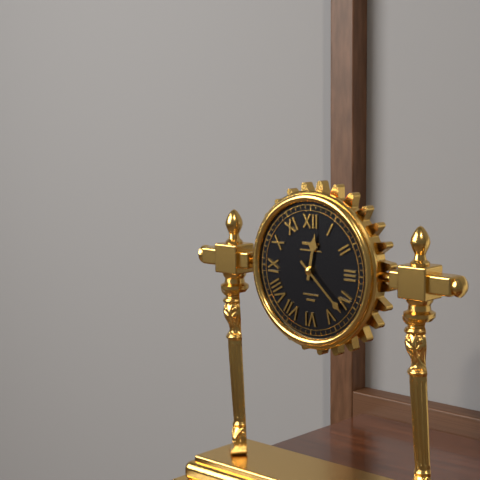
12 h 22 min
